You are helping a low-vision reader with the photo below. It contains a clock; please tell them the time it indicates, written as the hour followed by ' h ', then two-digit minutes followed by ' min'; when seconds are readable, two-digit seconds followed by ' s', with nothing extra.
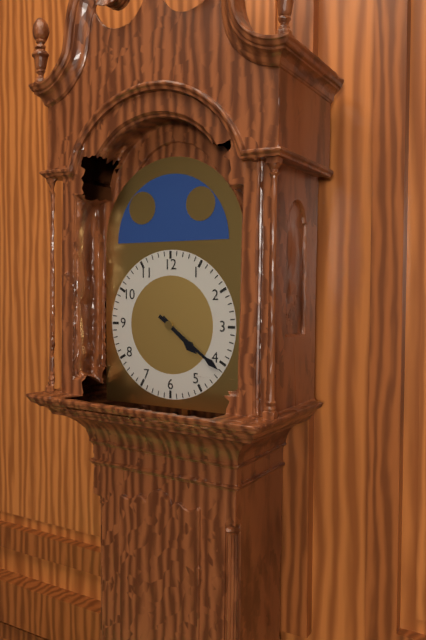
4 h 21 min
